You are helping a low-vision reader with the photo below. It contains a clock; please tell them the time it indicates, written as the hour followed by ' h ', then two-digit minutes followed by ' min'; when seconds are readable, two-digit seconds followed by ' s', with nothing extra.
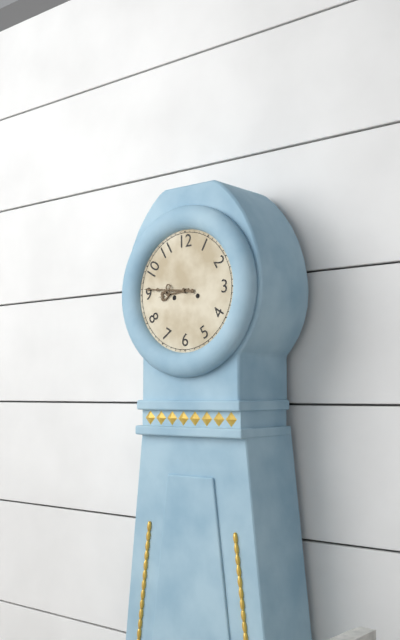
8 h 46 min
